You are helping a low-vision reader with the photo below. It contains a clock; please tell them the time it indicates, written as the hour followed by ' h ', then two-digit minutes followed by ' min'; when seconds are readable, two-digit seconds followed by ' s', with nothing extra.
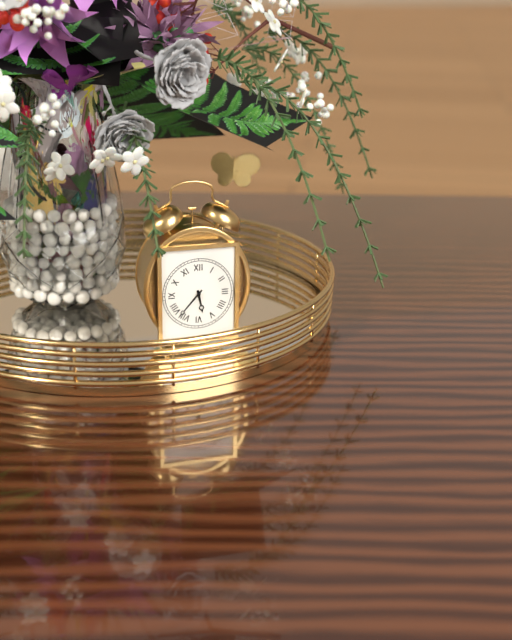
5 h 37 min
